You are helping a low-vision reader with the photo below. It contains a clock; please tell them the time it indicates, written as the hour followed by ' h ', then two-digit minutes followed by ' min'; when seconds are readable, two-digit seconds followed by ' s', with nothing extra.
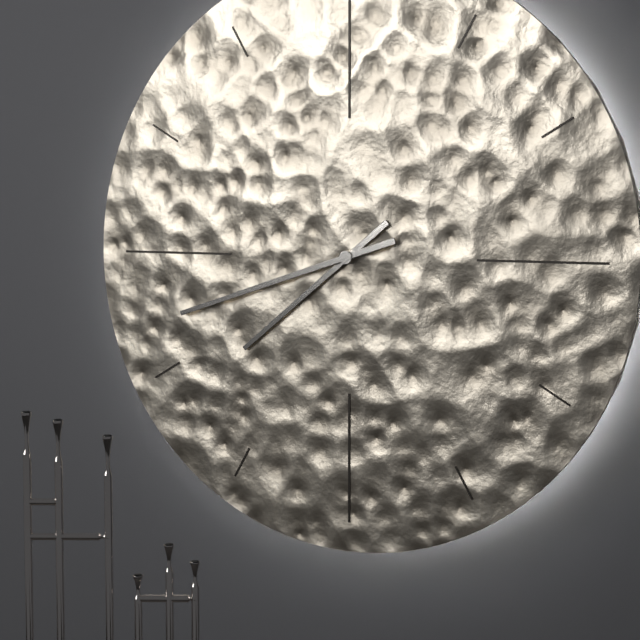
7 h 42 min
